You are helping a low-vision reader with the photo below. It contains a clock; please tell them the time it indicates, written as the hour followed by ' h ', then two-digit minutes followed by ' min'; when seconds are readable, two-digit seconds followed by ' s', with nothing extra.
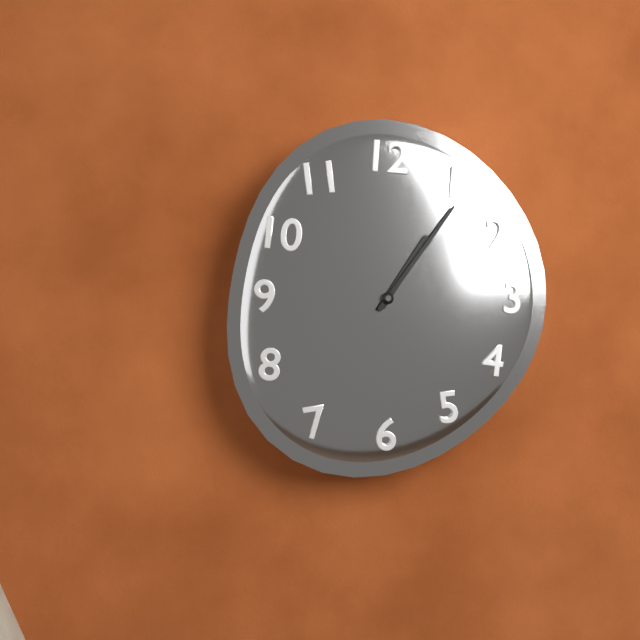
1 h 06 min
